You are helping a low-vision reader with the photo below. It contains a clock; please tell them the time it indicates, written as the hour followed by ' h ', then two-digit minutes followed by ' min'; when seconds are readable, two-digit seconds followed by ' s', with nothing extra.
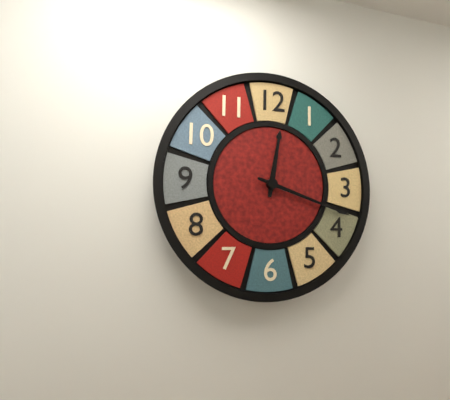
12 h 18 min
